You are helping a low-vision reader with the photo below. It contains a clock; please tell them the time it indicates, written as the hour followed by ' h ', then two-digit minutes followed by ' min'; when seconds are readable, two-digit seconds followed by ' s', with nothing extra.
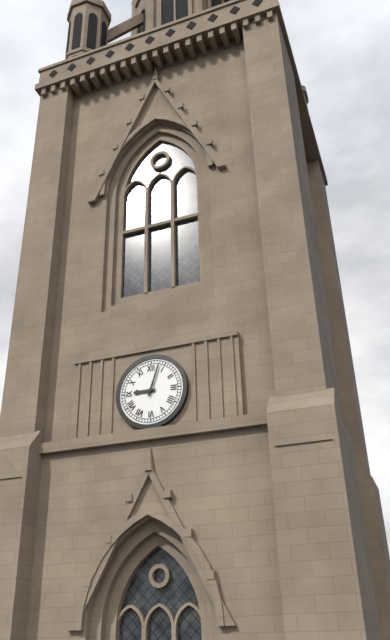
9 h 03 min
